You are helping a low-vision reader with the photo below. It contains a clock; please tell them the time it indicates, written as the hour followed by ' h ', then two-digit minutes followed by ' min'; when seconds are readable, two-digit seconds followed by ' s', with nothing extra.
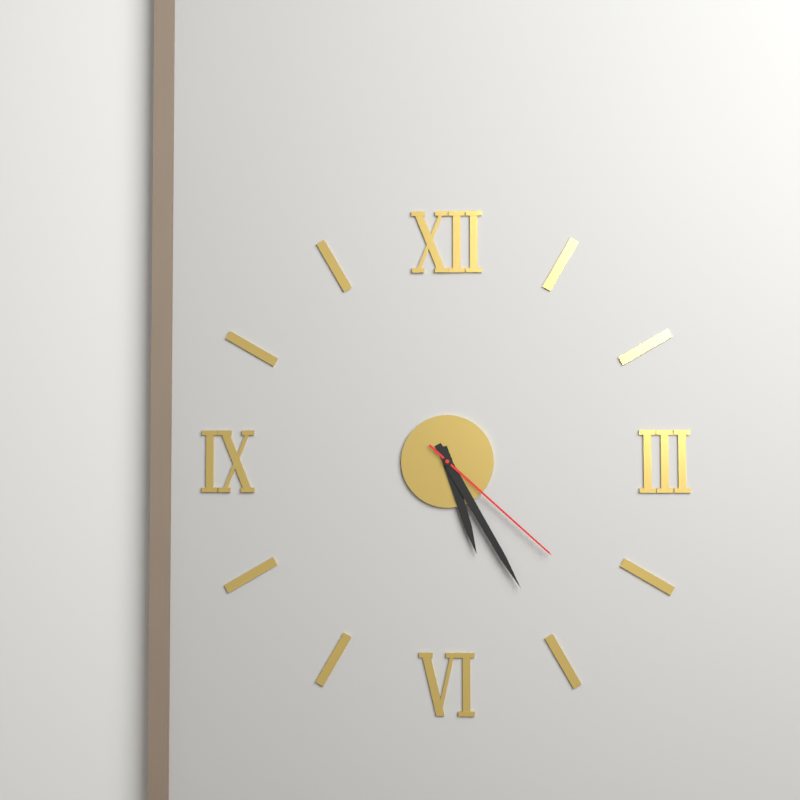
5 h 25 min 22 s
